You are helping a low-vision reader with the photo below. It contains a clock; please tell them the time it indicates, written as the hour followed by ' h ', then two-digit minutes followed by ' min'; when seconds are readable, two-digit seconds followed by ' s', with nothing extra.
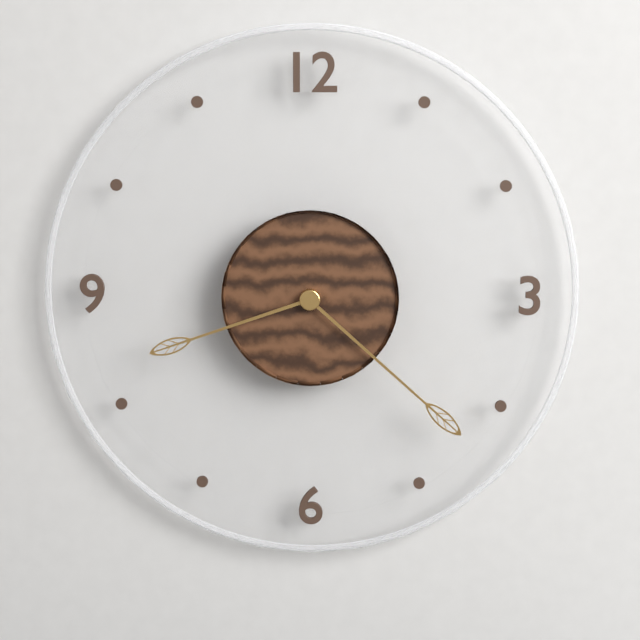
8 h 22 min
